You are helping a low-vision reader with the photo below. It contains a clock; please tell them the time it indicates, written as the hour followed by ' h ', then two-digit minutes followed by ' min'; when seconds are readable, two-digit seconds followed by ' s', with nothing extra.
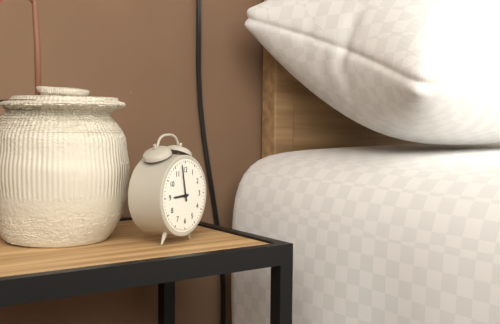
8 h 58 min
